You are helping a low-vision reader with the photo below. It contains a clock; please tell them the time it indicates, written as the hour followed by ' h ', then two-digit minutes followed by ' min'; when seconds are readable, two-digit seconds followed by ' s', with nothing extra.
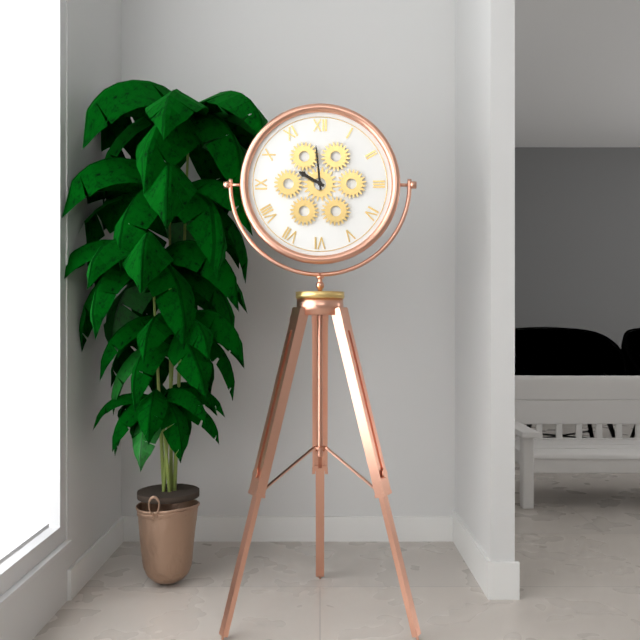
9 h 59 min
